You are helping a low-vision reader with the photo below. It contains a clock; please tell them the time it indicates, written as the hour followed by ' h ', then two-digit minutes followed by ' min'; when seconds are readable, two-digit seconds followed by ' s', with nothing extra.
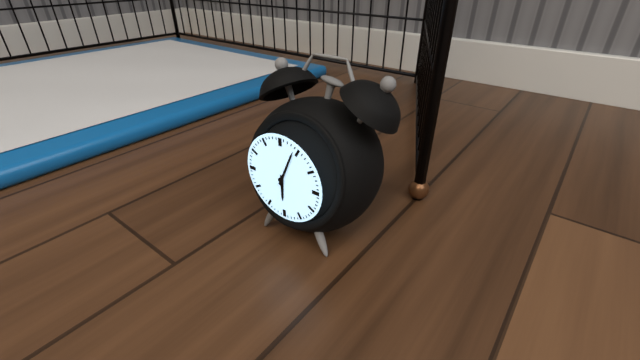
6 h 04 min
